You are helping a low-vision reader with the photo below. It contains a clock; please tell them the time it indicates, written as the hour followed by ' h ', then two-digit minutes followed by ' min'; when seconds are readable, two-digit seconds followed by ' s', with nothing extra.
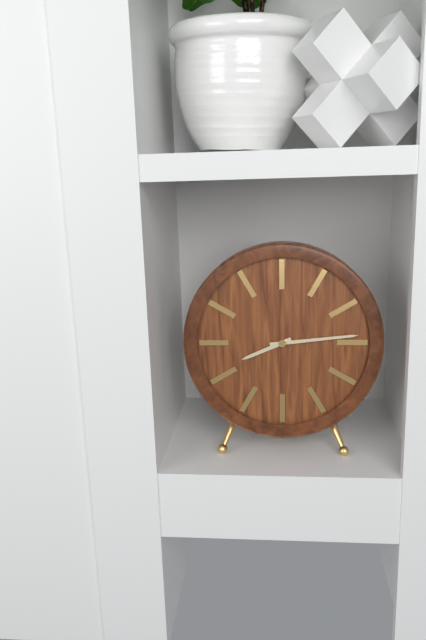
8 h 14 min
